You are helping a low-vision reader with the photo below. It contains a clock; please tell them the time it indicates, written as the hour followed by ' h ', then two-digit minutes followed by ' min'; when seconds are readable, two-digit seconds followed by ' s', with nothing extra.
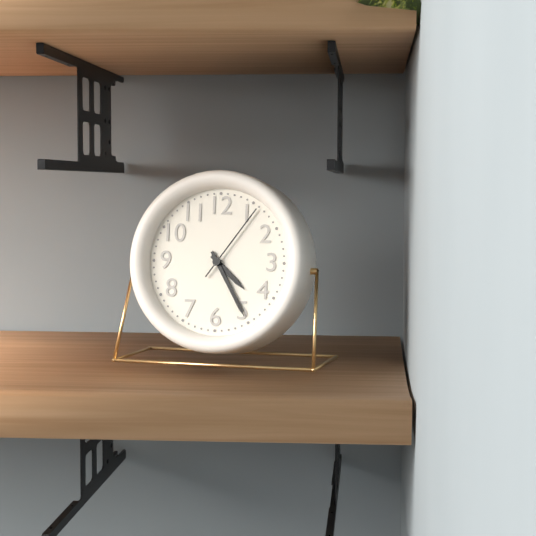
4 h 25 min 06 s
